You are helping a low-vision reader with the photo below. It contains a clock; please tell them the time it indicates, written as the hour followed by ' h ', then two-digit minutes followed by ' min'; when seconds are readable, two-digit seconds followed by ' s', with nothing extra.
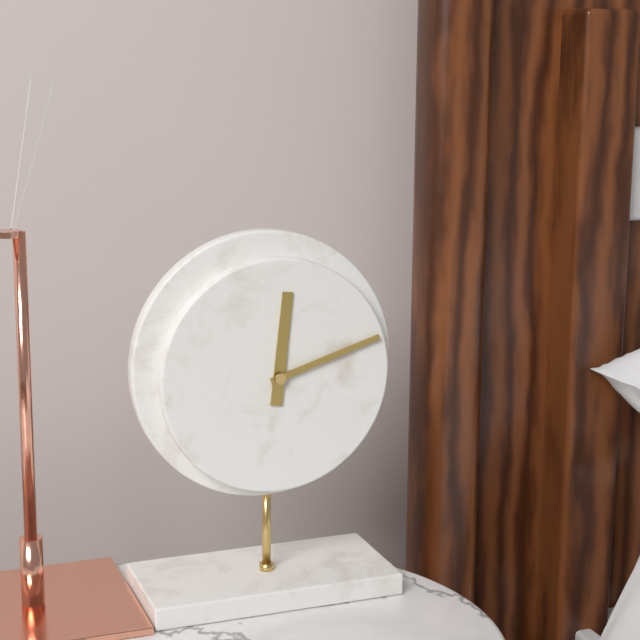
12 h 12 min
